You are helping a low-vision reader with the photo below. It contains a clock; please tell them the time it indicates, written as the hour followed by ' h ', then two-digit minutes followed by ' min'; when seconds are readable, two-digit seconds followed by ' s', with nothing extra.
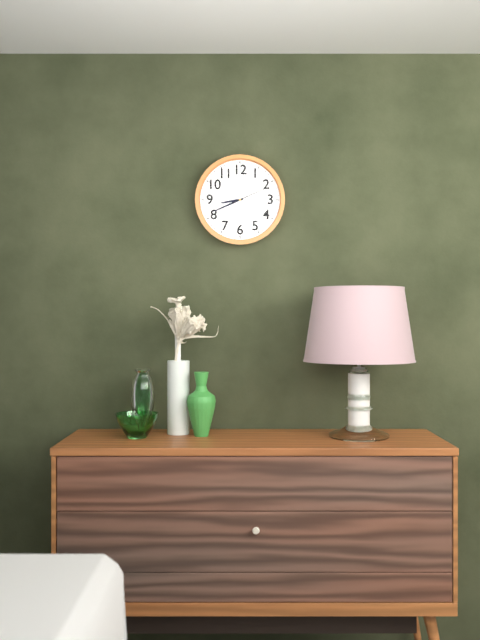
8 h 41 min
